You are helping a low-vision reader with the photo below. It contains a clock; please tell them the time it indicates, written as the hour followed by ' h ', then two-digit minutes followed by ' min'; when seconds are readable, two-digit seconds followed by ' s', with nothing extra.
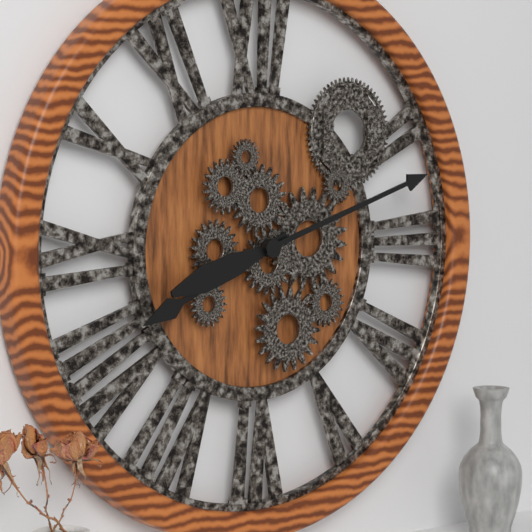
8 h 12 min
